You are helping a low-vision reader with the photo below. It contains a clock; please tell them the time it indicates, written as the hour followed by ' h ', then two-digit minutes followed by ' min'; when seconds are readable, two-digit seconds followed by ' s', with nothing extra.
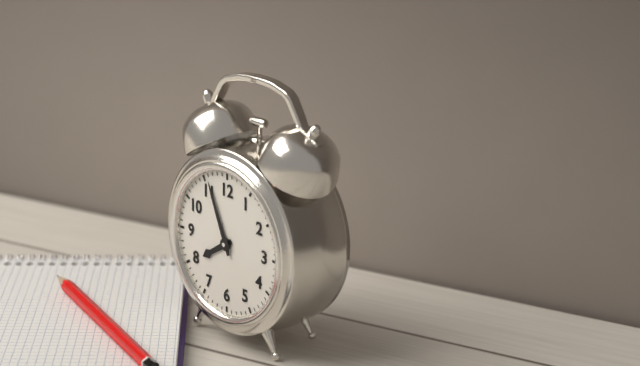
7 h 56 min
